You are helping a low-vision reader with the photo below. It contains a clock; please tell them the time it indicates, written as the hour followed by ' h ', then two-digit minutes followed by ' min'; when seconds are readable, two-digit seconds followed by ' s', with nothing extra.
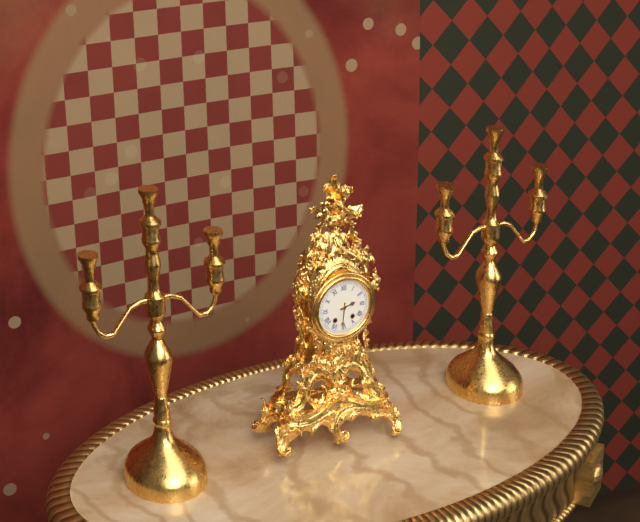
2 h 31 min
